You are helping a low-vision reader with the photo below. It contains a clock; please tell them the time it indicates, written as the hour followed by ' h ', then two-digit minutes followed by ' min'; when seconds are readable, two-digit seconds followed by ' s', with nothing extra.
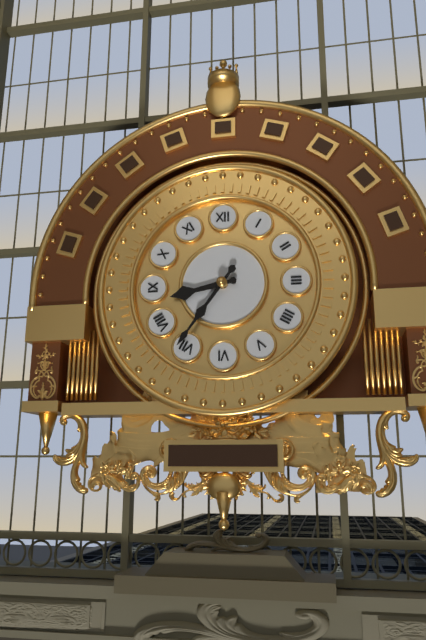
8 h 36 min
